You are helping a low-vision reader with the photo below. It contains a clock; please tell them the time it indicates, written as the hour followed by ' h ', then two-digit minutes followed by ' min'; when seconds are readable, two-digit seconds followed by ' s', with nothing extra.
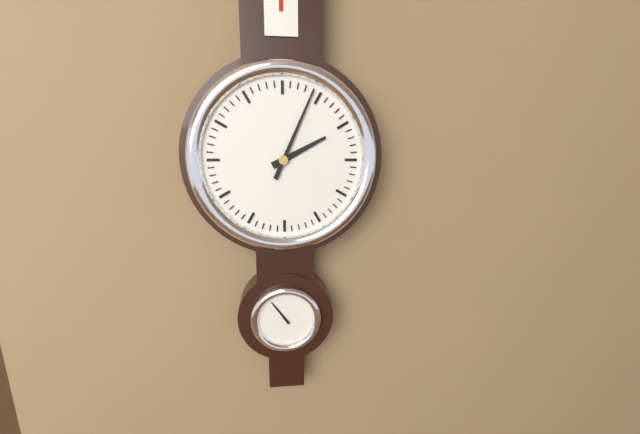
2 h 04 min
